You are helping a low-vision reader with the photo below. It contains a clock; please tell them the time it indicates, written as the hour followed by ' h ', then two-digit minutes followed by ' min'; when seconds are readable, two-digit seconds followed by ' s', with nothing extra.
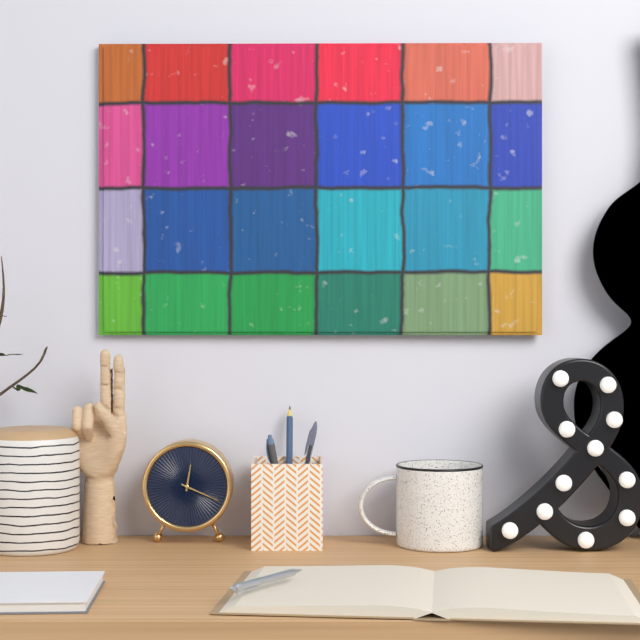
12 h 19 min
